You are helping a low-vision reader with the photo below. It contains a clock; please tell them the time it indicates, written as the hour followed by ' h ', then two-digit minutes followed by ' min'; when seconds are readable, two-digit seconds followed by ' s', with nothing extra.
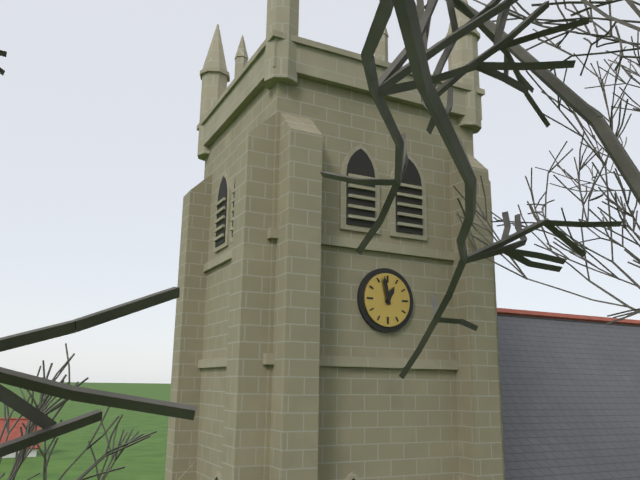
12 h 58 min
